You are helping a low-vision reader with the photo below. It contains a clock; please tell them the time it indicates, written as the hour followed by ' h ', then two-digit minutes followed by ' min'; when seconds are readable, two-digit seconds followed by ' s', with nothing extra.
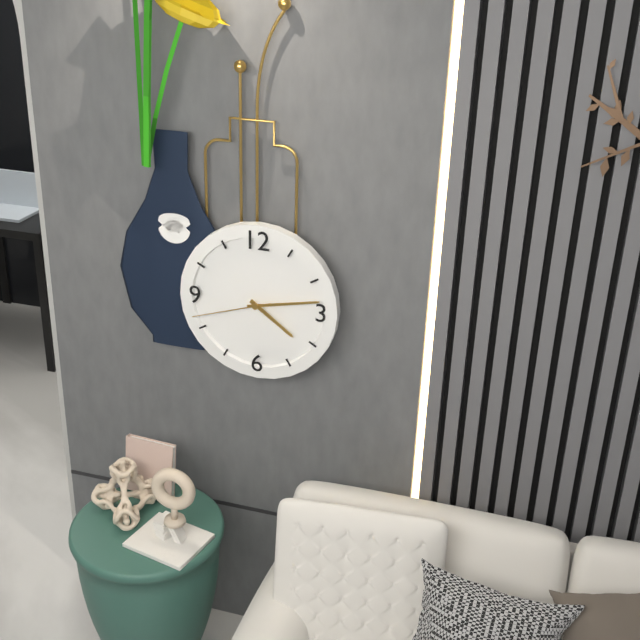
4 h 13 min 42 s
